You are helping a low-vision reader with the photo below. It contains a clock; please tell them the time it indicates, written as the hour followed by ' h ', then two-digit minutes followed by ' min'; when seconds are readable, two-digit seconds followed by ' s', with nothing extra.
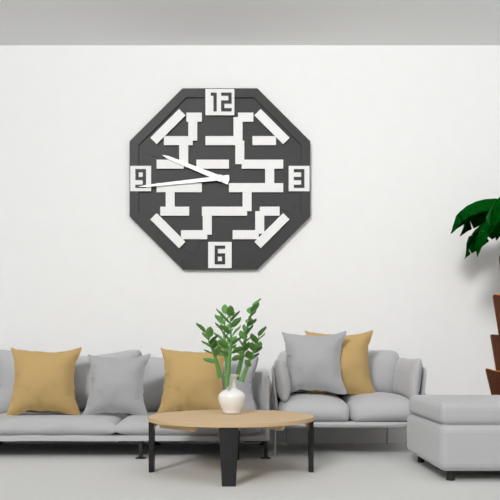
9 h 44 min
